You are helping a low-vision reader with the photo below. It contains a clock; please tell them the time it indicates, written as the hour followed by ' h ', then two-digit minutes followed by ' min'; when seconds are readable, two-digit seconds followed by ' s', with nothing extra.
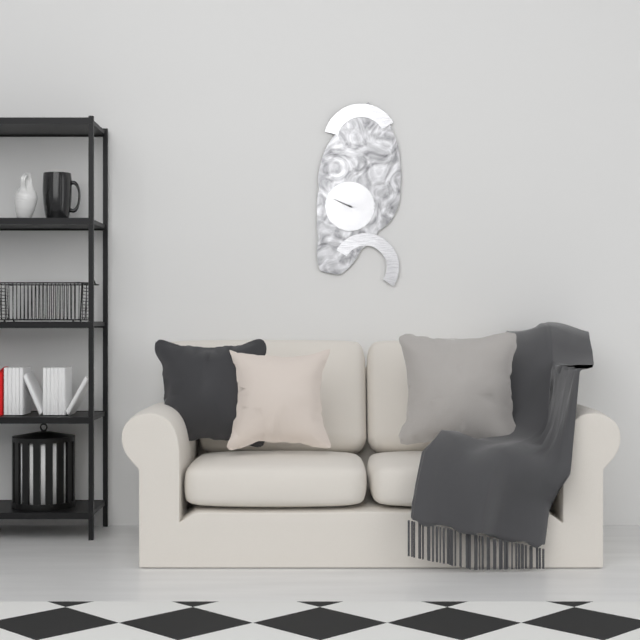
9 h 49 min
